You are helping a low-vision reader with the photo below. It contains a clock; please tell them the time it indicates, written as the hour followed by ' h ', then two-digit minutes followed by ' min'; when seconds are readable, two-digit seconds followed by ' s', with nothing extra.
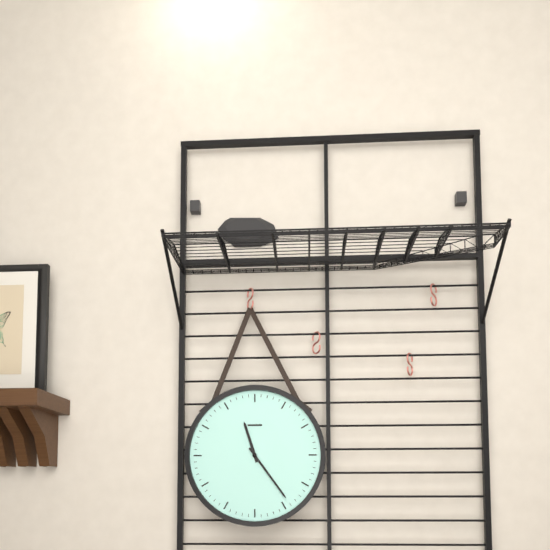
11 h 24 min
